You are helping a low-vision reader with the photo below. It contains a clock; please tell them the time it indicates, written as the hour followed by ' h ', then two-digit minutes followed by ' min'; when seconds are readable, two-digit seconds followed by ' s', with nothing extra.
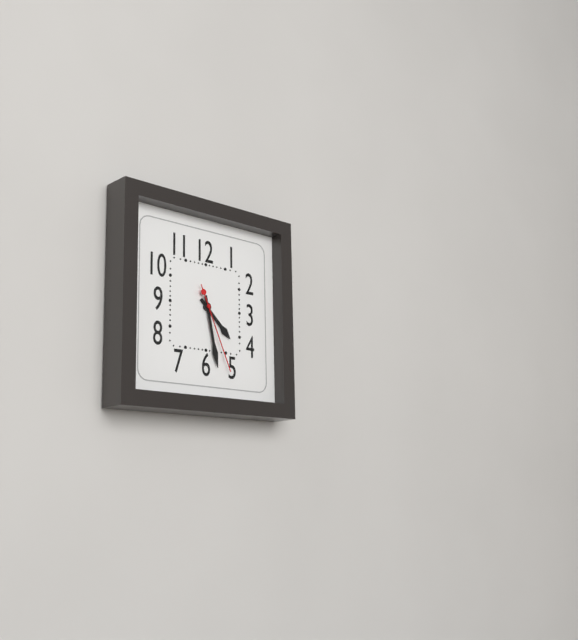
4 h 28 min 26 s
